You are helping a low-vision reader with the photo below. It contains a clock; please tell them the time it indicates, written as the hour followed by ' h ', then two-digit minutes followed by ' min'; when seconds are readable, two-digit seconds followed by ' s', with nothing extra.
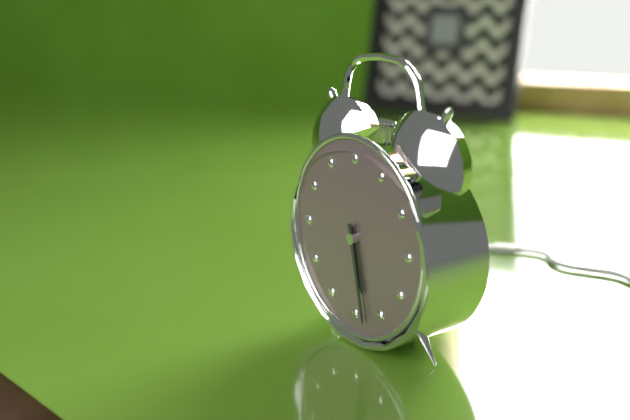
5 h 28 min
